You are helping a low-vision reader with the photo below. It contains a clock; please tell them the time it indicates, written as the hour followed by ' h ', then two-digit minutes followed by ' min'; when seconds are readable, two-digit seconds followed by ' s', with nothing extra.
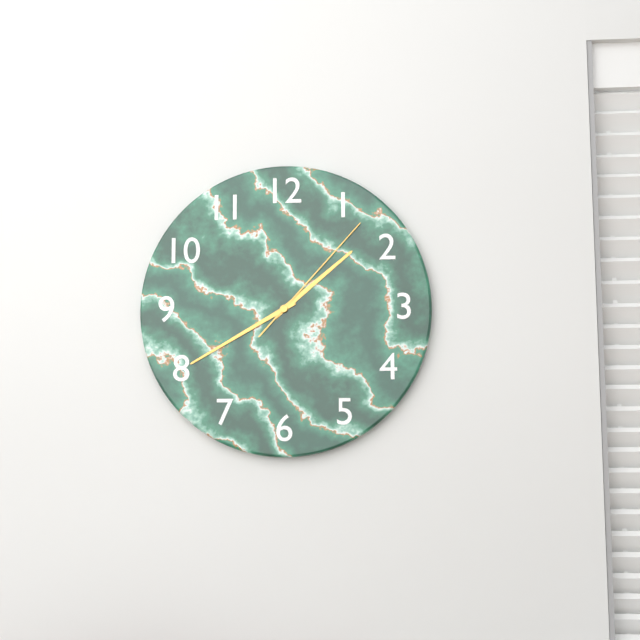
1 h 40 min 07 s
